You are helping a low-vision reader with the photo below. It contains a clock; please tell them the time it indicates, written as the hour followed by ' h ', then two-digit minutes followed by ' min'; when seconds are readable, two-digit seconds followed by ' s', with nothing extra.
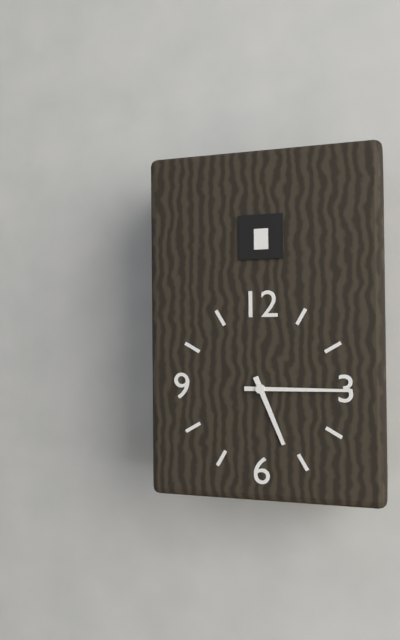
5 h 15 min
